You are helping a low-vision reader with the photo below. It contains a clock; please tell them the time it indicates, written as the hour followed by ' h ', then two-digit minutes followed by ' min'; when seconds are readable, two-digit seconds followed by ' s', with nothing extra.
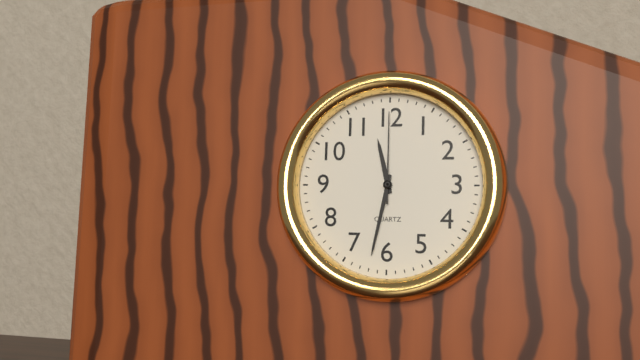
11 h 32 min 00 s
